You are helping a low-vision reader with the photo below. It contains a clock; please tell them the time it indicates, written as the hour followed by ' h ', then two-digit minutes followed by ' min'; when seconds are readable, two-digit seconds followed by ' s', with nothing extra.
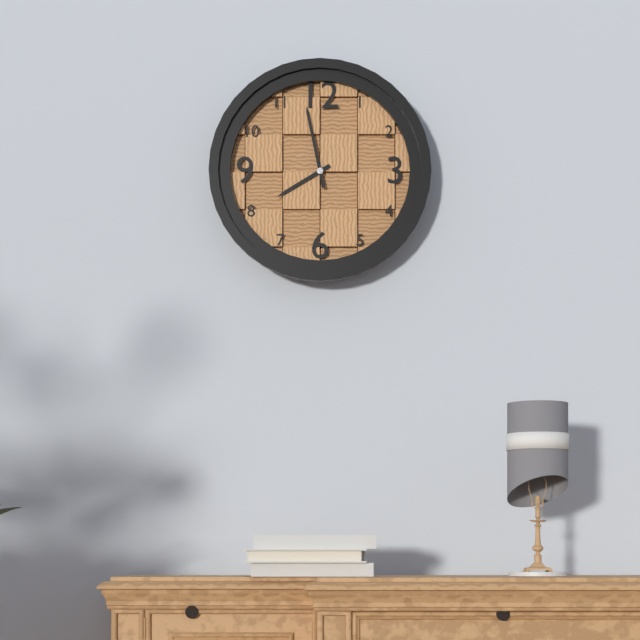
7 h 58 min
